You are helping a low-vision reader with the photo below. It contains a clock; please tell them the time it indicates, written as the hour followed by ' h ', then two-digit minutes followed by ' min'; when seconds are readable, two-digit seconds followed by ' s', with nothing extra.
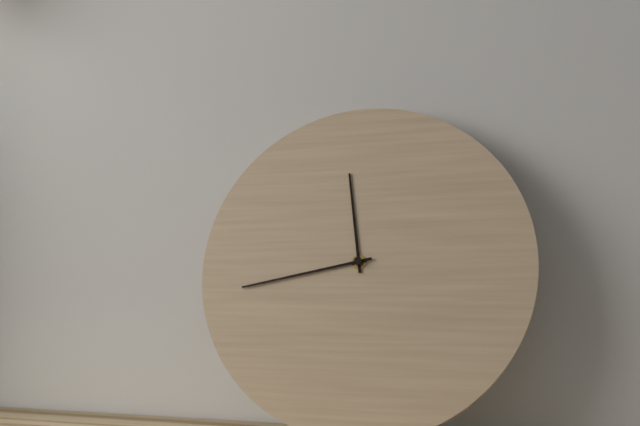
11 h 43 min
